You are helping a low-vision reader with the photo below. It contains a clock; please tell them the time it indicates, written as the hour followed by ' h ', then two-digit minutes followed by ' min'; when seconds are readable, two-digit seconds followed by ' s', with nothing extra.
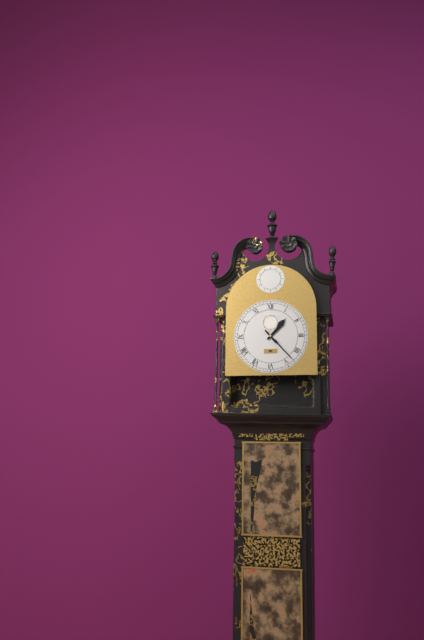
1 h 23 min
